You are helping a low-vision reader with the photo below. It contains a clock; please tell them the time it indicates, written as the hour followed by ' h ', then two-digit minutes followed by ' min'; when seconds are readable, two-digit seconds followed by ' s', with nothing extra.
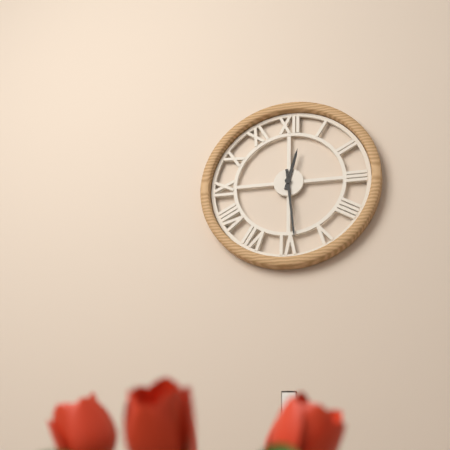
12 h 29 min
